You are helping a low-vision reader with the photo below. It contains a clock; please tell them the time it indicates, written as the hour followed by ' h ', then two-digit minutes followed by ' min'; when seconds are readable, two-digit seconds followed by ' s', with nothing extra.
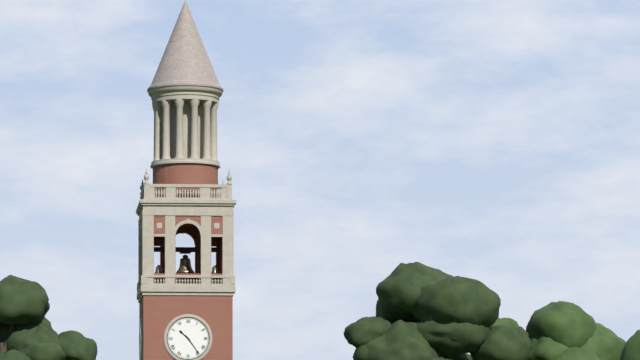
10 h 24 min
